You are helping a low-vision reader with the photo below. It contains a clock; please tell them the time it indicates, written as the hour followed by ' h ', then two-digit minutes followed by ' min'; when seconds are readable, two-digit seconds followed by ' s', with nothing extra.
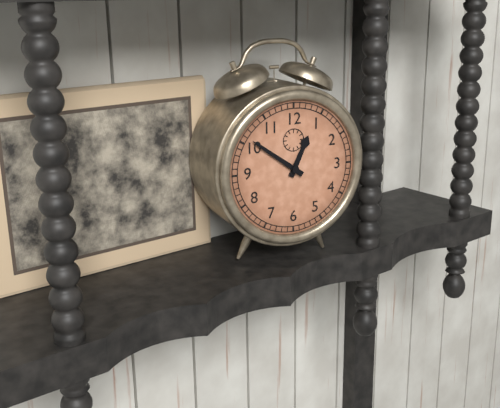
12 h 51 min
